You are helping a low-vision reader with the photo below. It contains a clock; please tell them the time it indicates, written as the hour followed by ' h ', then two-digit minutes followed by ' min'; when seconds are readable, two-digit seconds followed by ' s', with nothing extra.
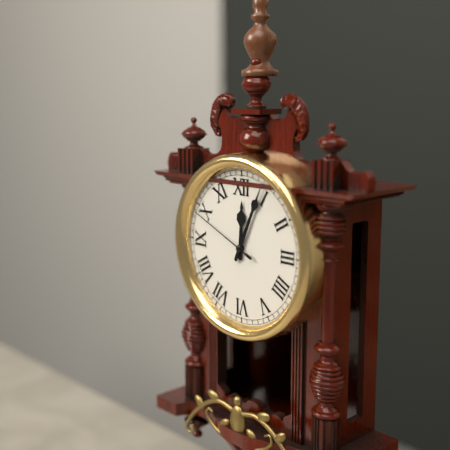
12 h 04 min 49 s
